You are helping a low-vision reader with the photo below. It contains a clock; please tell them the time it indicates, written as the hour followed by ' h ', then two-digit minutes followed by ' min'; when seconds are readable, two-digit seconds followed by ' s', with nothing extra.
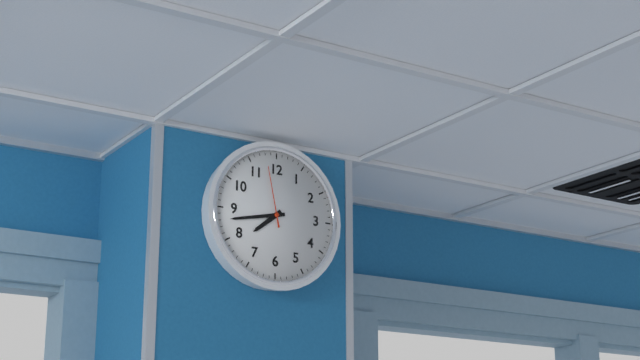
7 h 43 min 58 s
